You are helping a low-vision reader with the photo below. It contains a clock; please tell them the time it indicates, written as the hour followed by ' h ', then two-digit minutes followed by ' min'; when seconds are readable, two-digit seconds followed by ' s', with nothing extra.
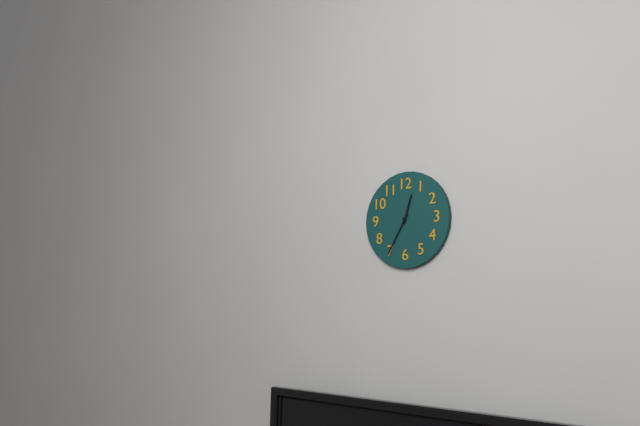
12 h 35 min
